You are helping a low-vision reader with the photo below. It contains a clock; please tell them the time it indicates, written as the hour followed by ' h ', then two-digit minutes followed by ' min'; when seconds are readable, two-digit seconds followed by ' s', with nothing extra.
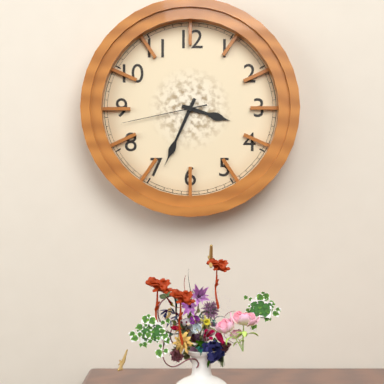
3 h 34 min 43 s
